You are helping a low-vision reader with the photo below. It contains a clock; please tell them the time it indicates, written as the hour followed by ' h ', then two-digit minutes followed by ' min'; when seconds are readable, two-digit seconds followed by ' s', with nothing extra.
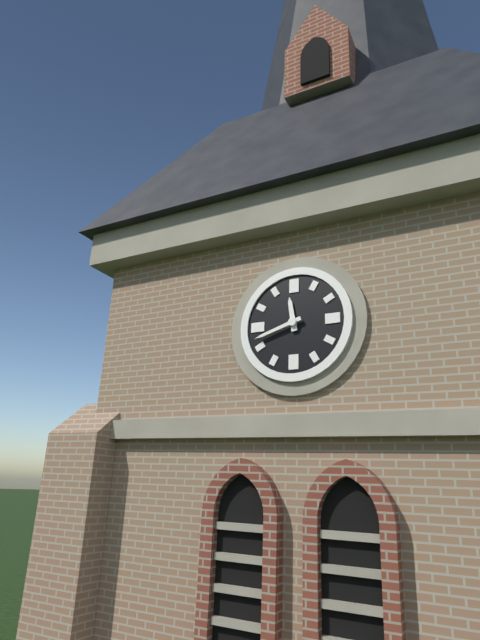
11 h 42 min
